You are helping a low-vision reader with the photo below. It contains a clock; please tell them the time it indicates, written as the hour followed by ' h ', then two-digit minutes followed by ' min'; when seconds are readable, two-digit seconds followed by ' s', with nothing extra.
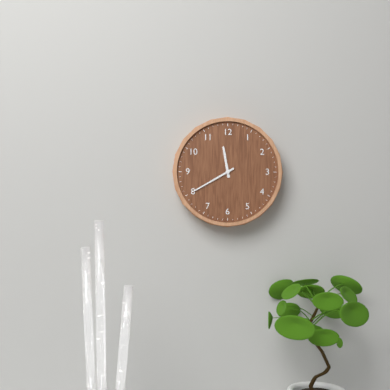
11 h 40 min
